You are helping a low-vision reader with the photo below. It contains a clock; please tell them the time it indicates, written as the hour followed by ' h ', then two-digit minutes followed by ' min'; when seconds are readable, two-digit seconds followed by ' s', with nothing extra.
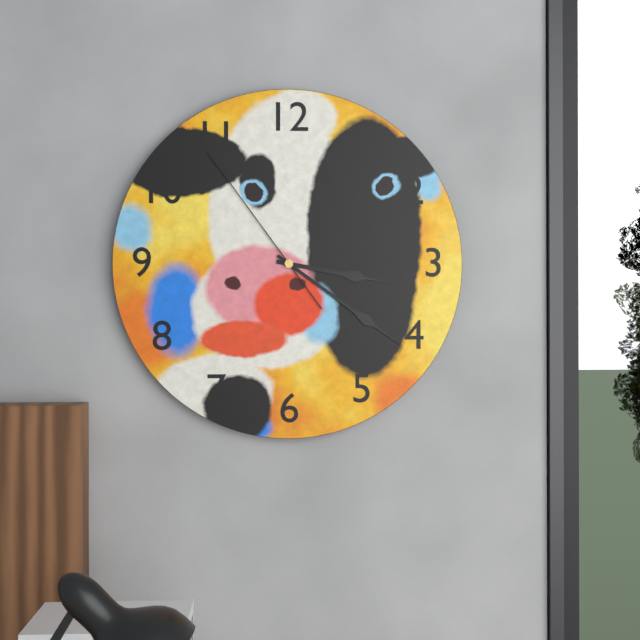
3 h 21 min 54 s
